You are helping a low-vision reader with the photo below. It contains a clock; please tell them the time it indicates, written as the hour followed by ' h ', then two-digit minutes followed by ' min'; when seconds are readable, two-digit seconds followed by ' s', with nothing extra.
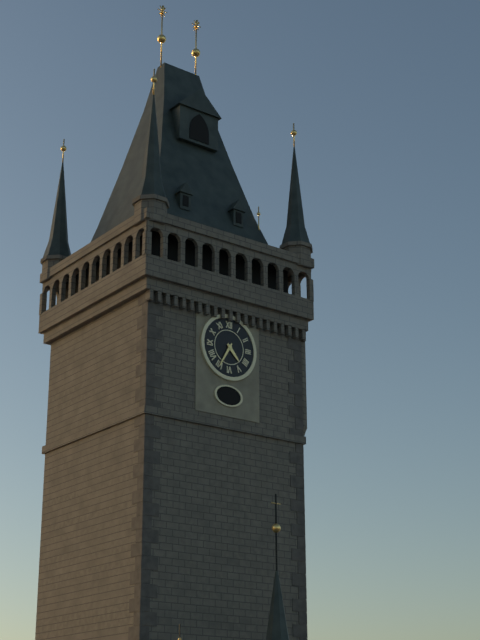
4 h 35 min
